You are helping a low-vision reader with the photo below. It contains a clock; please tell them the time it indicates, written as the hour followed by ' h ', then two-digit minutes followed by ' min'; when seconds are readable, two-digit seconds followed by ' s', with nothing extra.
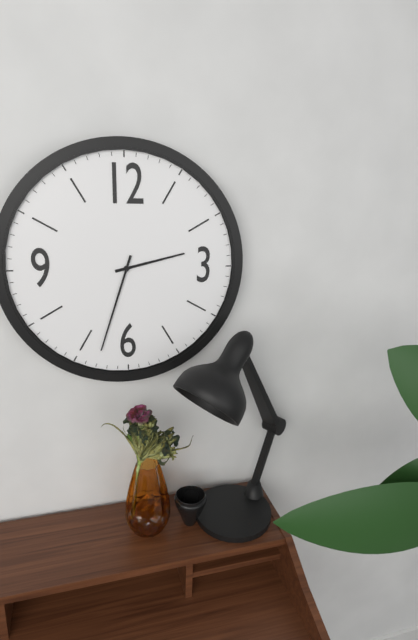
2 h 33 min
